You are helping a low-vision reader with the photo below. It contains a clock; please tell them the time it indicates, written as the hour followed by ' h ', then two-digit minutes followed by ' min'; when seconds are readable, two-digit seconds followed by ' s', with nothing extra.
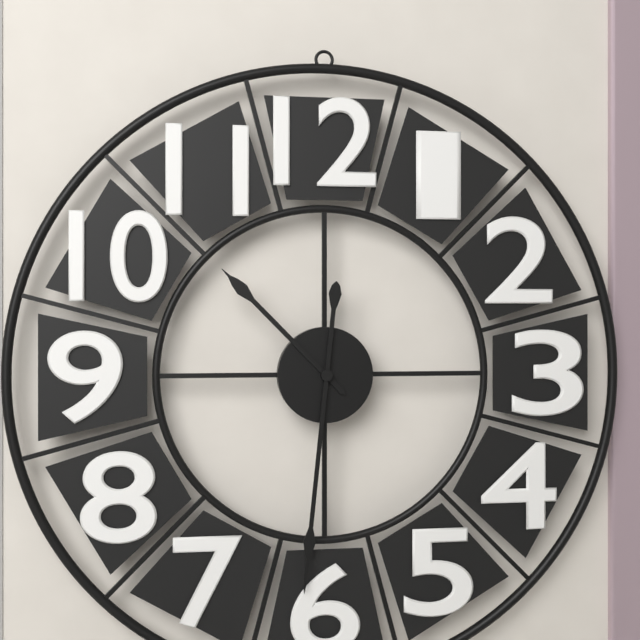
10 h 31 min
